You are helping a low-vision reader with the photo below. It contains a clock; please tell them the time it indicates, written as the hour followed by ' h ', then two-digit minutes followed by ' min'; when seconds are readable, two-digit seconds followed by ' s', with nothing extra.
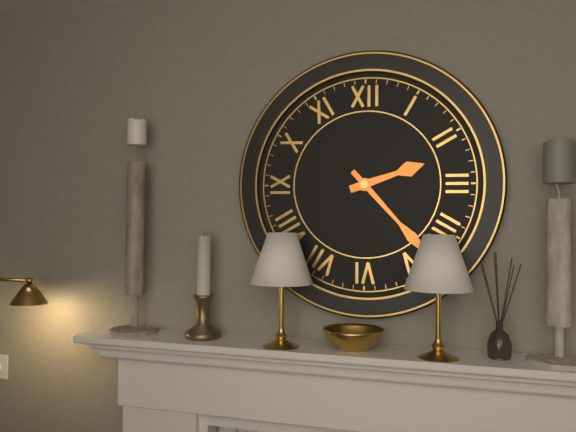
2 h 23 min
